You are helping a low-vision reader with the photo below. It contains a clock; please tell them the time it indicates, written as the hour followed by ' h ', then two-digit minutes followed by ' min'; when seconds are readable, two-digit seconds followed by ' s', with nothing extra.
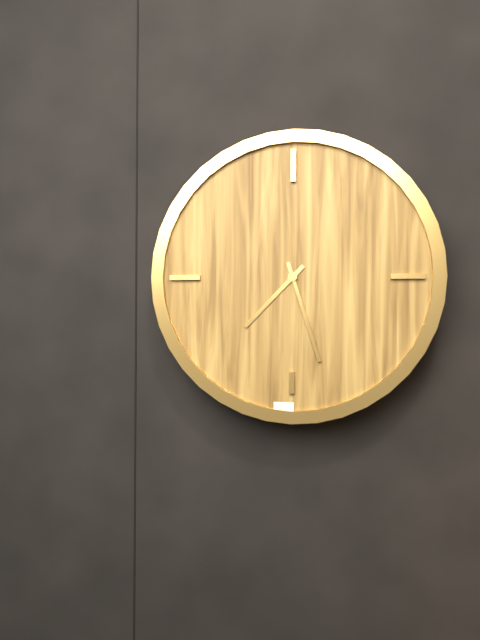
7 h 27 min
